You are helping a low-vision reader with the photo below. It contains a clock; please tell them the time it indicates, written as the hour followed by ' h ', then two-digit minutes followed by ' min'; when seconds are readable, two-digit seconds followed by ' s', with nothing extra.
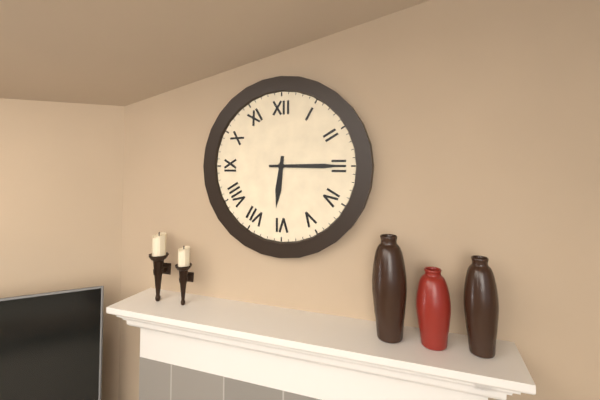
6 h 15 min
